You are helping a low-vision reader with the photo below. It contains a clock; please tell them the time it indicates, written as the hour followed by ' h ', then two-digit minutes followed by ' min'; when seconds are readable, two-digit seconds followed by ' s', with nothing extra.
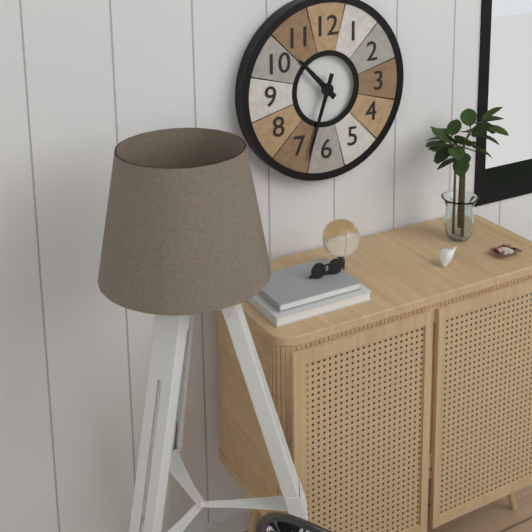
10 h 33 min
